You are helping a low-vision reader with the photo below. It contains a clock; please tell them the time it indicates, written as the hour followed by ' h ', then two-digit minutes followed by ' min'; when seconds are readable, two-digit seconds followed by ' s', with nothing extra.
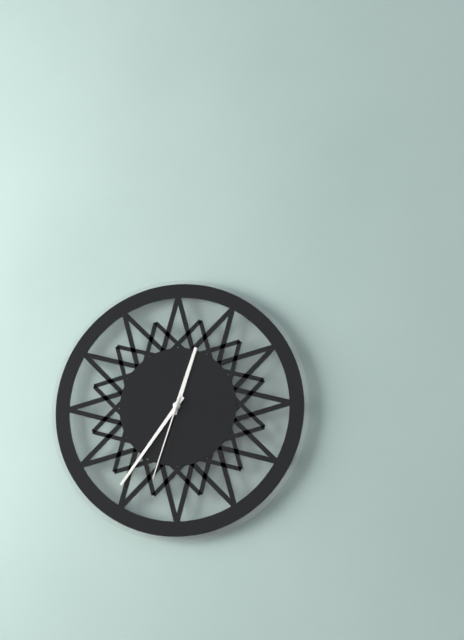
12 h 36 min 33 s
